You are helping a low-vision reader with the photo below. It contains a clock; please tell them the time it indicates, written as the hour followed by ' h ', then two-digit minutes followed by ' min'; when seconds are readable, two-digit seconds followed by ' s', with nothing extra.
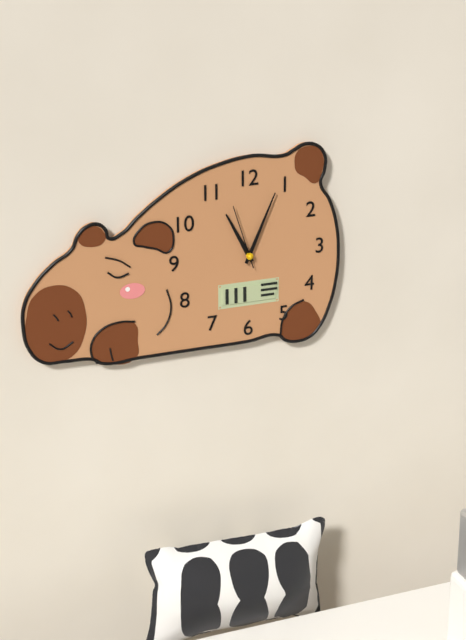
11 h 04 min 57 s
